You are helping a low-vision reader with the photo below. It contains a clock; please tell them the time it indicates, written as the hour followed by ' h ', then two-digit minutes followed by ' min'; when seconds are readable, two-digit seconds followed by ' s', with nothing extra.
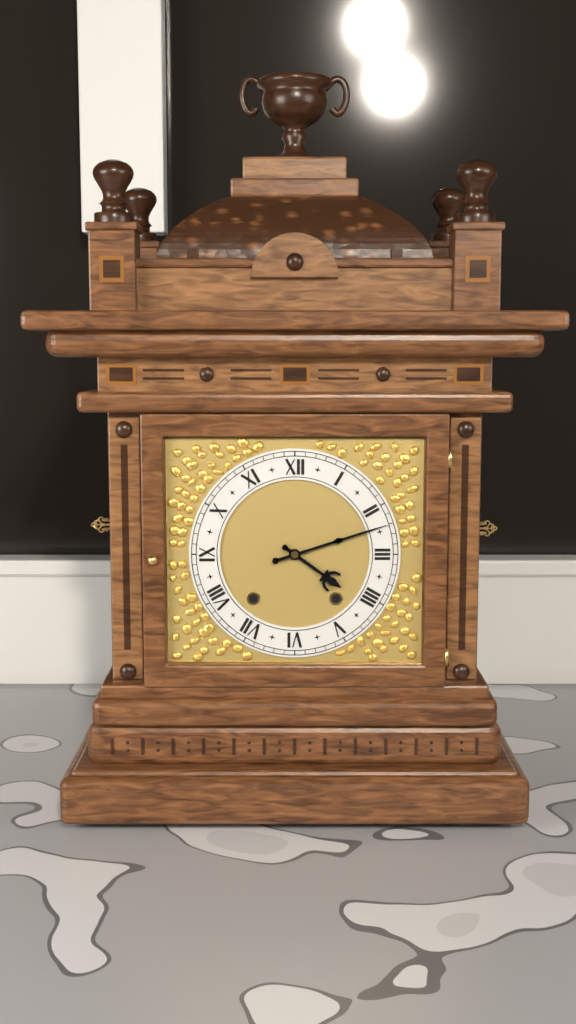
4 h 12 min
